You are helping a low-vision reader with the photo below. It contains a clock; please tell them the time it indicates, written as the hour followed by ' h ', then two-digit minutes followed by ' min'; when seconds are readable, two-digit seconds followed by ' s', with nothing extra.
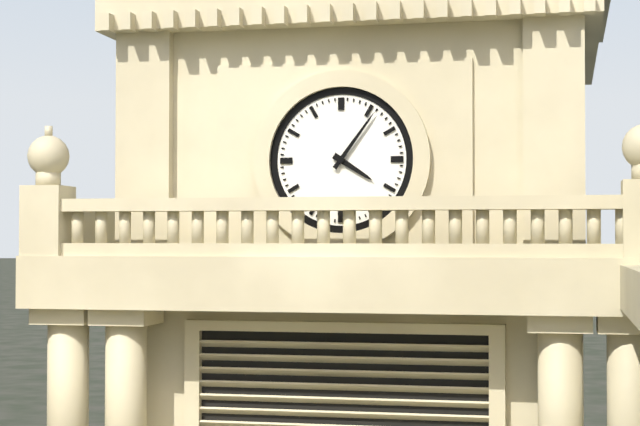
4 h 06 min
